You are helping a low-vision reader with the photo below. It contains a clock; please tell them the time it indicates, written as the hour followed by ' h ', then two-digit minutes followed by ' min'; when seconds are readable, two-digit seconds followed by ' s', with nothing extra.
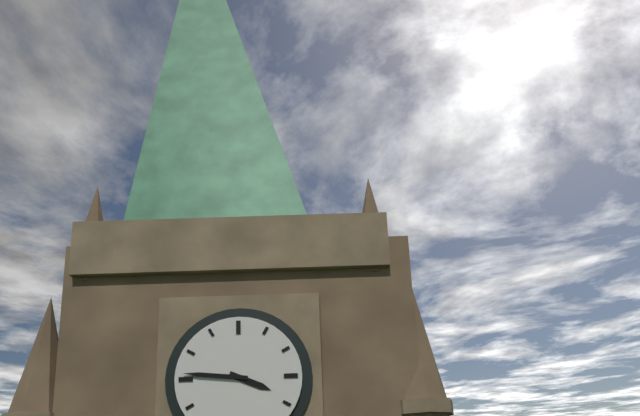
3 h 46 min
